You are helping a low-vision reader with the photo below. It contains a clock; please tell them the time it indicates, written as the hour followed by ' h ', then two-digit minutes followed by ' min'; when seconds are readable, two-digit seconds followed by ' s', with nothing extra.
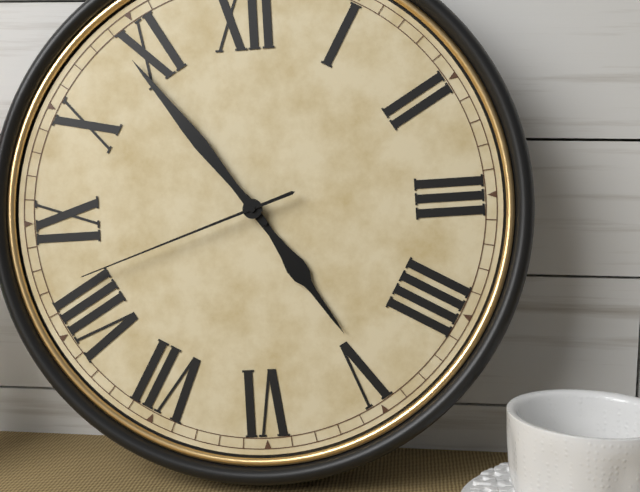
4 h 54 min 42 s
